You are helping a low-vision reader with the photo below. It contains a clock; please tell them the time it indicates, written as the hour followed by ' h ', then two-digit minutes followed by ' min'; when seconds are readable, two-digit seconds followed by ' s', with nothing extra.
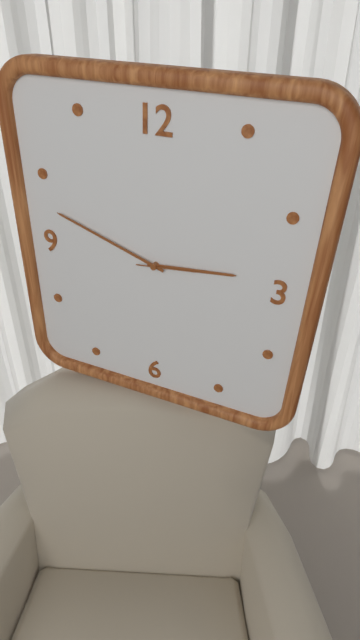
2 h 48 min 14 s
